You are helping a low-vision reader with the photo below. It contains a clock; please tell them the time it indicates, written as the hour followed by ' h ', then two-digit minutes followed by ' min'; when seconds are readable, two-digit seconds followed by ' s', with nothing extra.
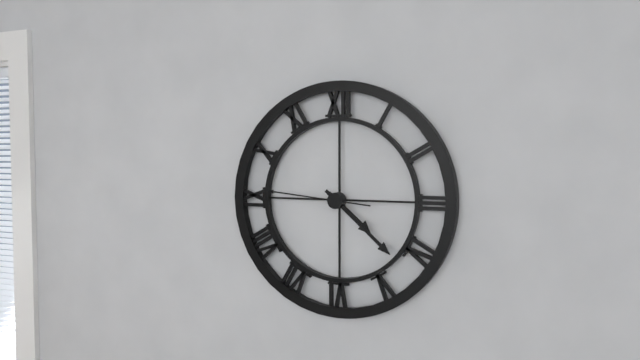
4 h 22 min 46 s
